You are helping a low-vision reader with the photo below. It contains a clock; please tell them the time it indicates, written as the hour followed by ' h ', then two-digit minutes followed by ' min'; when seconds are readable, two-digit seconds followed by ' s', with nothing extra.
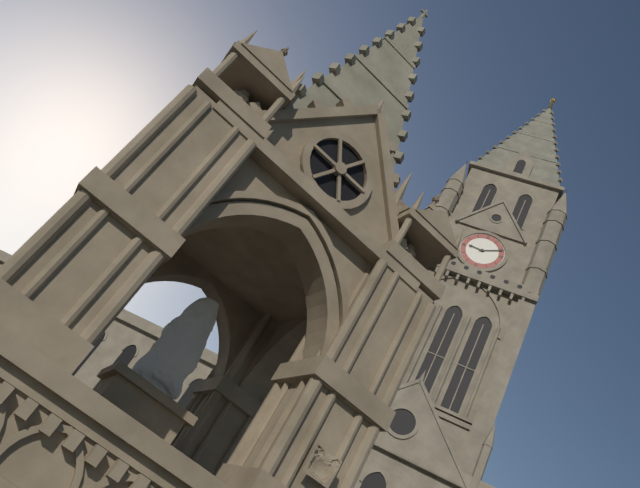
9 h 11 min
